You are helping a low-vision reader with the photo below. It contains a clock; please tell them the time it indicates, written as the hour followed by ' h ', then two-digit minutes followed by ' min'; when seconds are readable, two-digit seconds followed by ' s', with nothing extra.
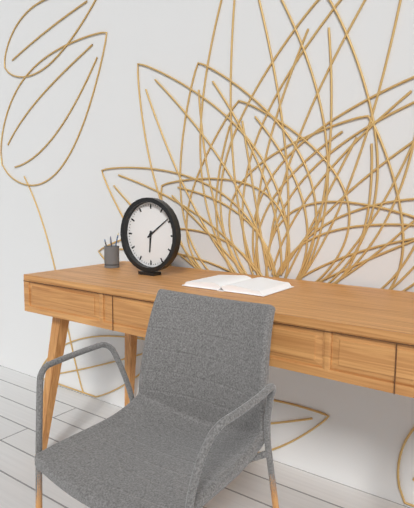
6 h 09 min
